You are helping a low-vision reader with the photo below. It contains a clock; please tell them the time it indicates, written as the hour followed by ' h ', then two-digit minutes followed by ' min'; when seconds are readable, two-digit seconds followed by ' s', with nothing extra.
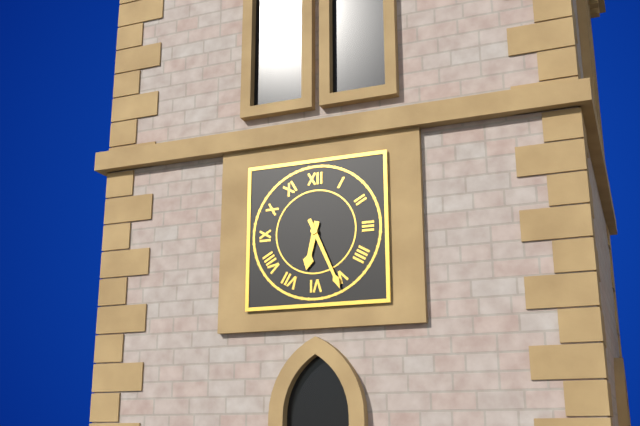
6 h 26 min
